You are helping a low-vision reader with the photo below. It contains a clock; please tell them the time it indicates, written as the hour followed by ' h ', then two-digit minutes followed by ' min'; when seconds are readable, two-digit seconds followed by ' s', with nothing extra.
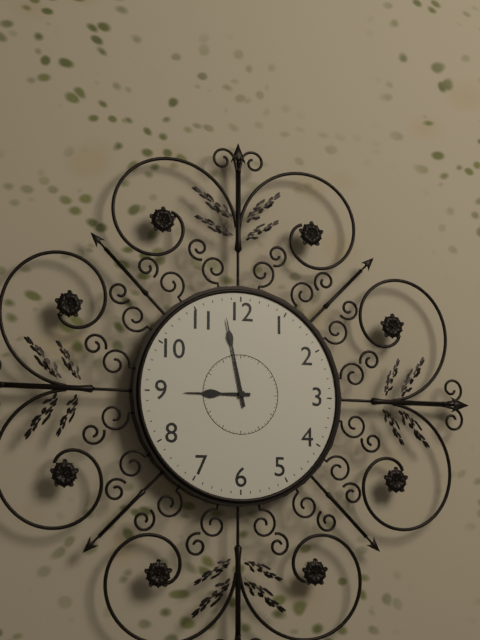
8 h 58 min
